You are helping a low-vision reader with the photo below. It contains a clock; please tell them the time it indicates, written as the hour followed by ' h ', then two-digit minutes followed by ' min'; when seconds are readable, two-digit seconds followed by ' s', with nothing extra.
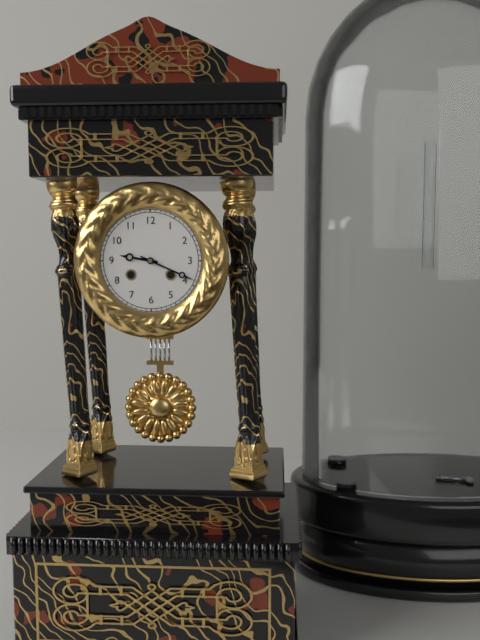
9 h 19 min
